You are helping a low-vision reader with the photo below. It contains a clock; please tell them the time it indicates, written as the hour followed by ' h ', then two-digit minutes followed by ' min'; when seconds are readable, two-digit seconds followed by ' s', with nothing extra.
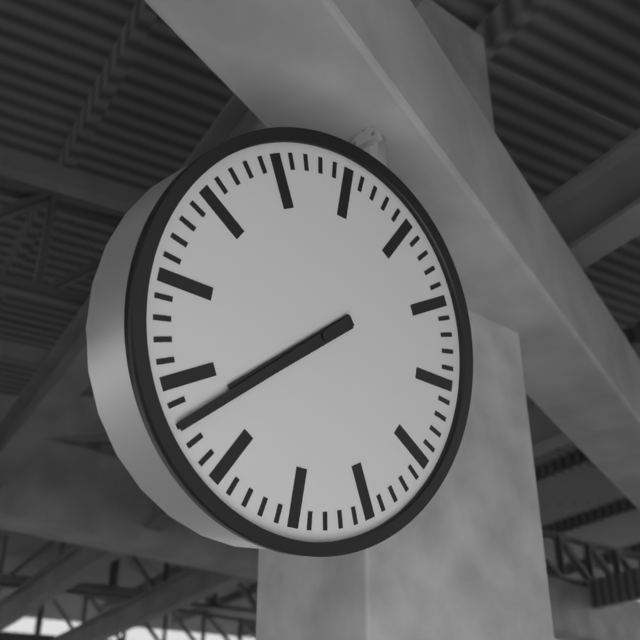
7 h 38 min
